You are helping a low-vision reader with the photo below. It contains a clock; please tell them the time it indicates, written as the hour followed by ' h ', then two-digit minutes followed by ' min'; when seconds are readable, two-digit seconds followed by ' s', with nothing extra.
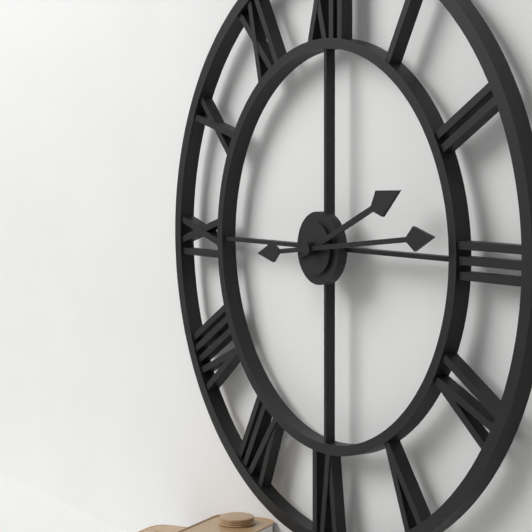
2 h 14 min
